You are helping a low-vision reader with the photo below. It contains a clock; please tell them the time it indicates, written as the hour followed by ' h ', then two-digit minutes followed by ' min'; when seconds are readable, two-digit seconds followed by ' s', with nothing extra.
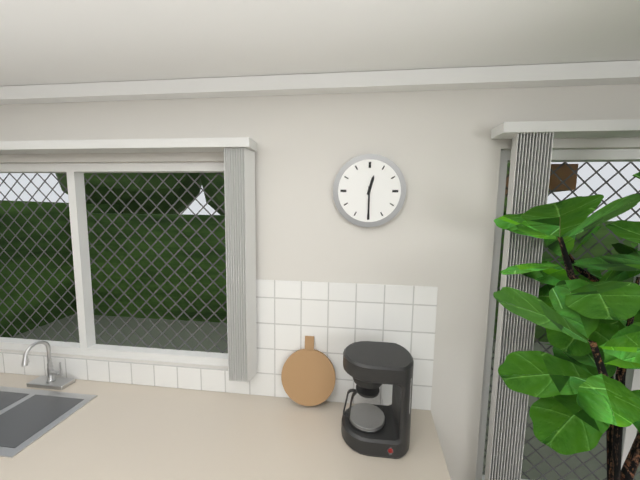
12 h 30 min
